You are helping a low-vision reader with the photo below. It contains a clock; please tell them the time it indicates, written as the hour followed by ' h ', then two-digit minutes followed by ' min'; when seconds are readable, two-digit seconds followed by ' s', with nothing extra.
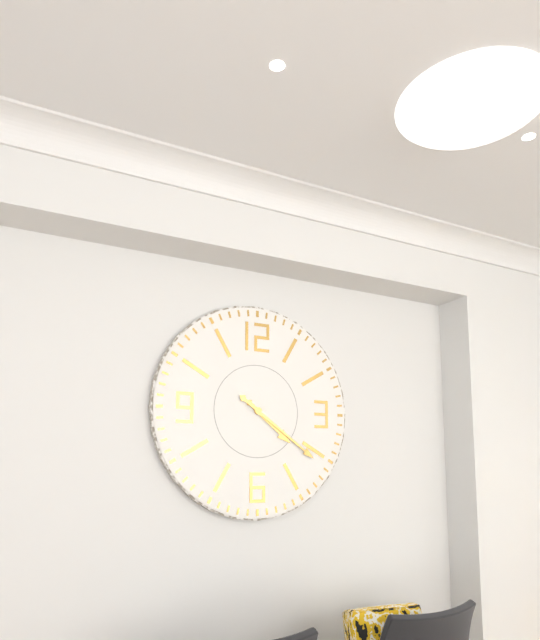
4 h 21 min
